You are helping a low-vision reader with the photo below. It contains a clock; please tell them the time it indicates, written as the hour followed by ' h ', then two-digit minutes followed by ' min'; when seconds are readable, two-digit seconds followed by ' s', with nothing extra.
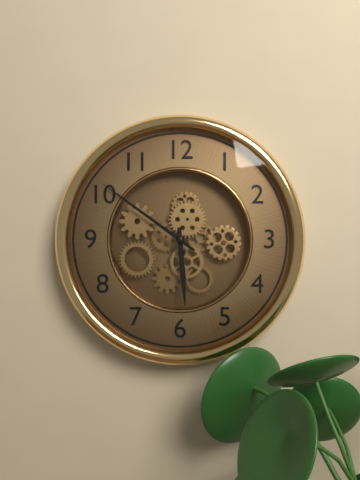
5 h 51 min
